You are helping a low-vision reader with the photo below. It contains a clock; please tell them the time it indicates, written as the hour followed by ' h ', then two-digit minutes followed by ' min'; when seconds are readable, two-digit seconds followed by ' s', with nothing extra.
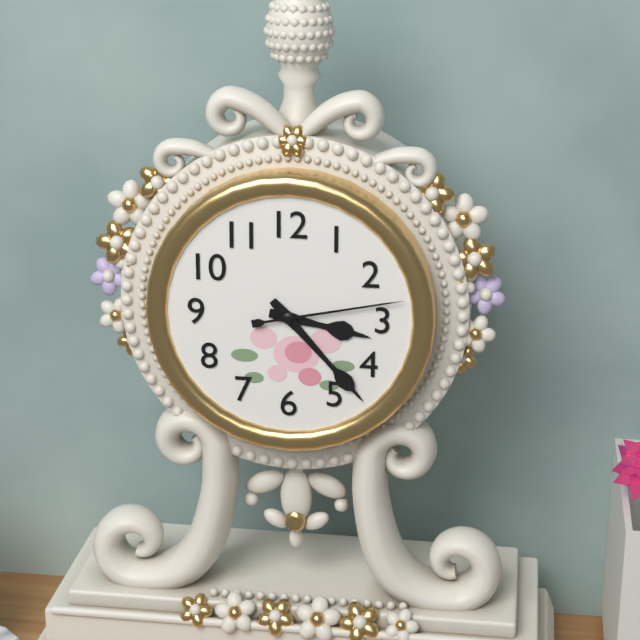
3 h 23 min 13 s
